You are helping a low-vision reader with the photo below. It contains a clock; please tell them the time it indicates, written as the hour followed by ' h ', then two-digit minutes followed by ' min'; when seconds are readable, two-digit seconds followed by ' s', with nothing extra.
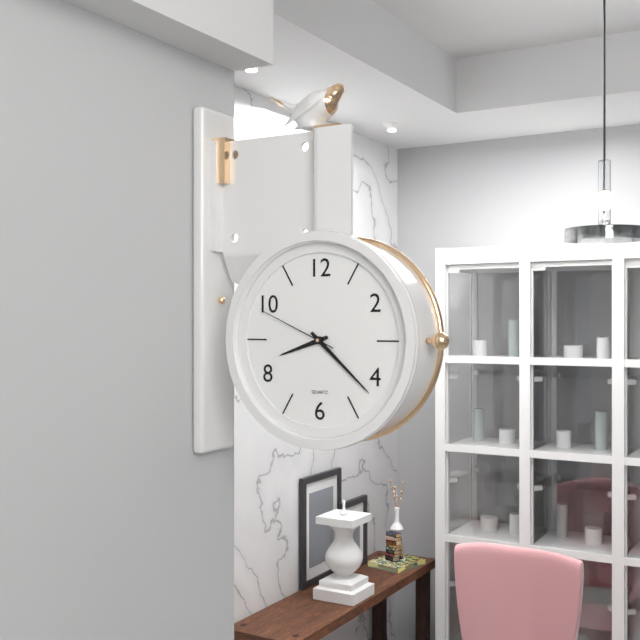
8 h 22 min 49 s
